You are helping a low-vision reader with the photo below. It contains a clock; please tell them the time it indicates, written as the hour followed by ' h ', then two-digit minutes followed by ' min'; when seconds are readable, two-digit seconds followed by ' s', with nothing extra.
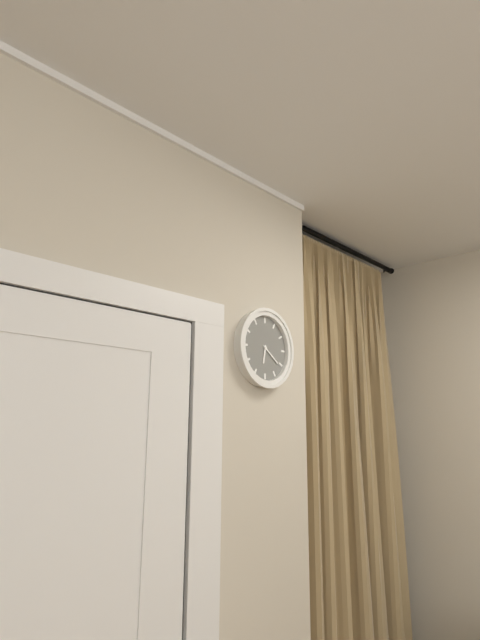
6 h 21 min
